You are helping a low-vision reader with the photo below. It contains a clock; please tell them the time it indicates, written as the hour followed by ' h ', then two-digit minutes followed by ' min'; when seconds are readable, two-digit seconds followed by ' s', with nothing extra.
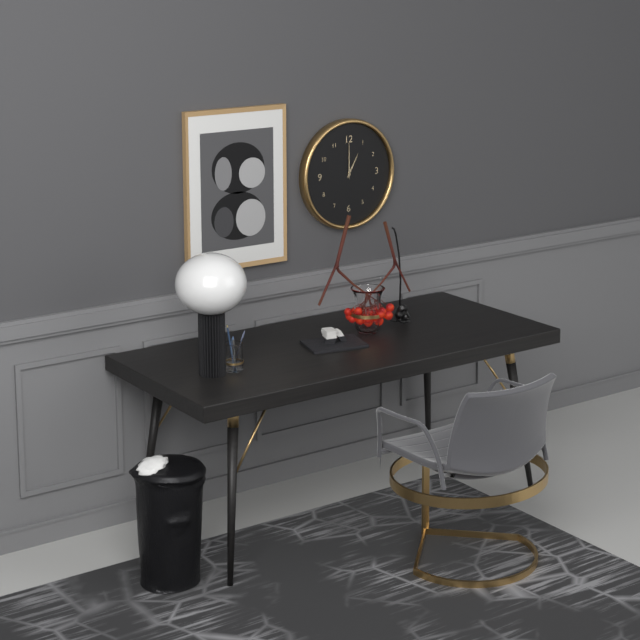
1 h 00 min
